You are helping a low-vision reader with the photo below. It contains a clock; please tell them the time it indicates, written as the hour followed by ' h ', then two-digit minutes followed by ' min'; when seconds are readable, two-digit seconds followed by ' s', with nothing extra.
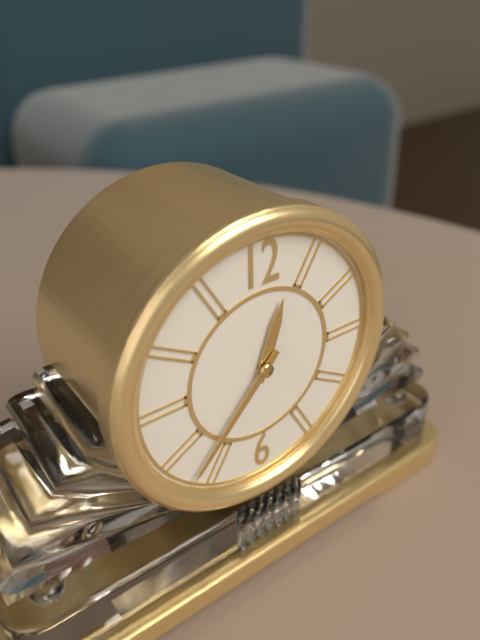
12 h 37 min
